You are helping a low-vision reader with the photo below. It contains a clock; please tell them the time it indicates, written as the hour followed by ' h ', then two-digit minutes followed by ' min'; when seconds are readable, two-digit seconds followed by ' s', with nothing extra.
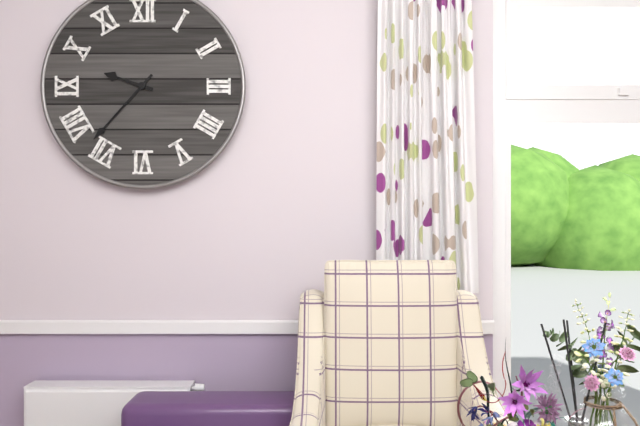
9 h 37 min
